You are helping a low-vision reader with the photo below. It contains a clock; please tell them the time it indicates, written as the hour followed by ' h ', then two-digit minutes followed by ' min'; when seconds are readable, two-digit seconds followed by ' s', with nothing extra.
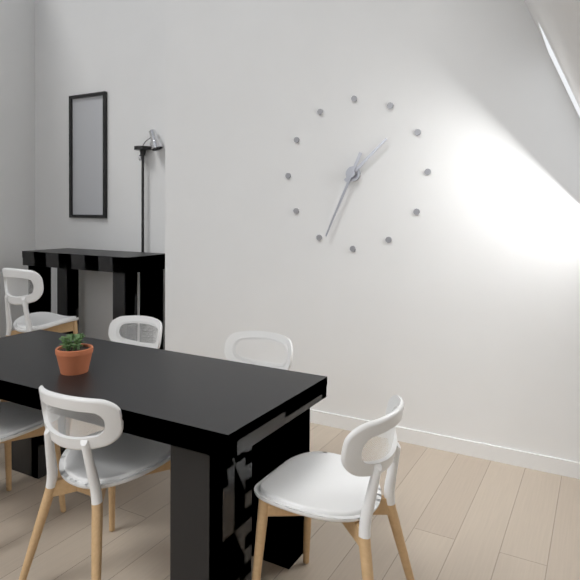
1 h 34 min
